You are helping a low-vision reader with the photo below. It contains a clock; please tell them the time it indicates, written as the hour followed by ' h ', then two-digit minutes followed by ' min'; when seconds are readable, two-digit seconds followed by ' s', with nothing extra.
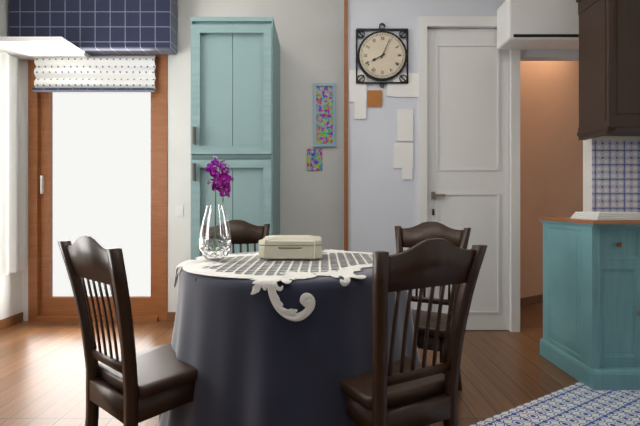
8 h 04 min
